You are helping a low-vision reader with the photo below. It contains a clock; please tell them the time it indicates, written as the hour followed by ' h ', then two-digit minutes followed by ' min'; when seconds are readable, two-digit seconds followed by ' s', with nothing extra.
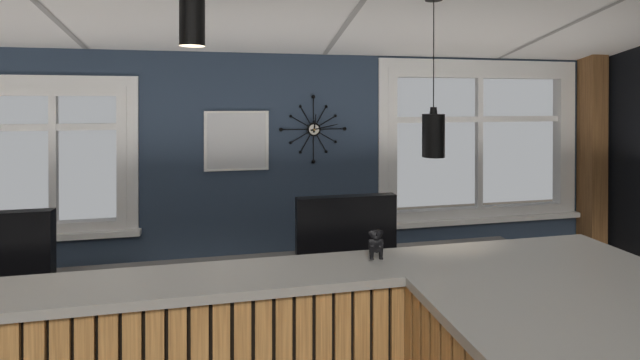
12 h 13 min
